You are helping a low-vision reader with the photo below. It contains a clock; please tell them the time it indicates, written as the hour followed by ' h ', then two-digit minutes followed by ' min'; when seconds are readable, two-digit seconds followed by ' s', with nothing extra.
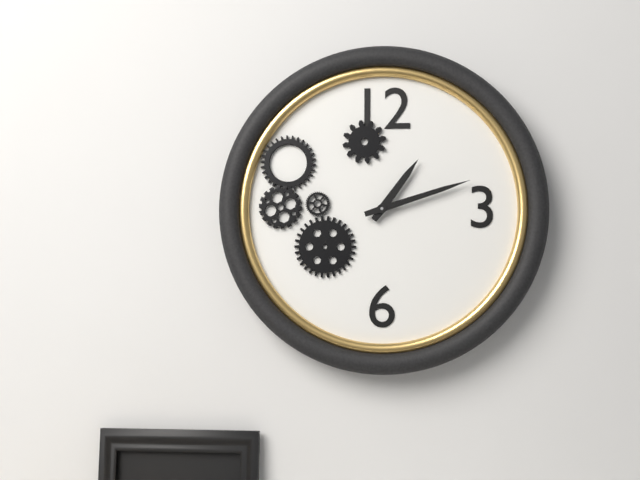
1 h 12 min
